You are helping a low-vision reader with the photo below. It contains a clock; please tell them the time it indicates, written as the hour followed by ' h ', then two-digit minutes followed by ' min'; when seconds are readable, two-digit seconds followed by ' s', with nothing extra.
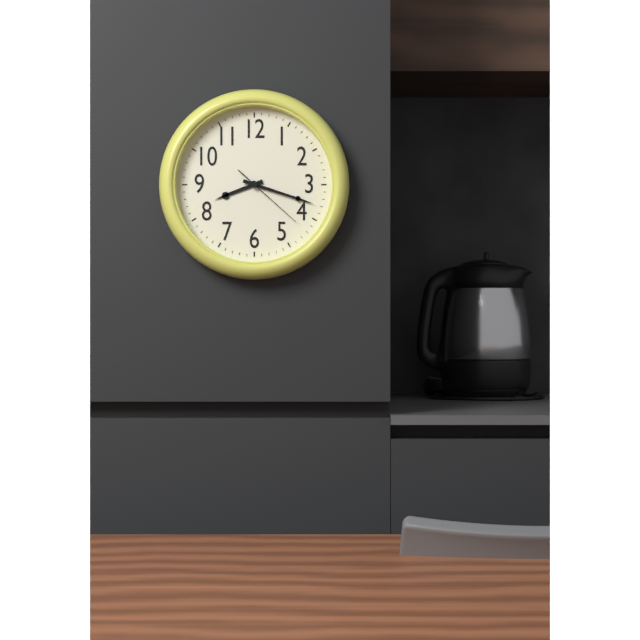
8 h 18 min 22 s
